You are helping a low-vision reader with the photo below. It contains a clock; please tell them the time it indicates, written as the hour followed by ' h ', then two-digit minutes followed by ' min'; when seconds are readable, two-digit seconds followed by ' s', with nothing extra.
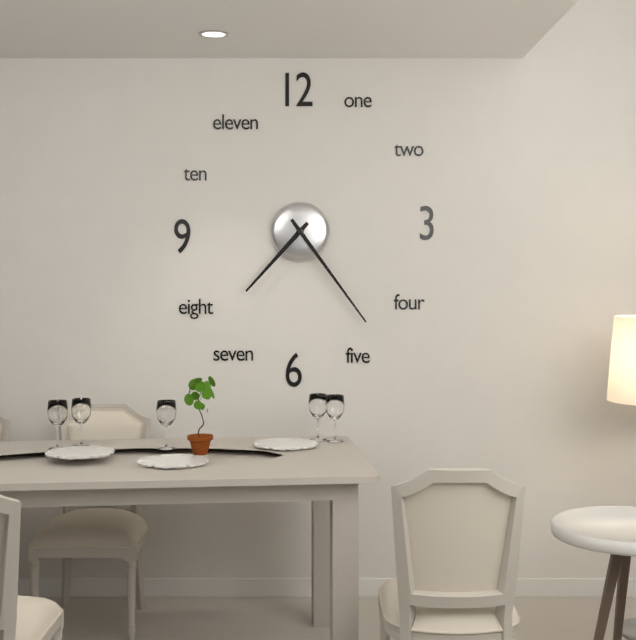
7 h 24 min
